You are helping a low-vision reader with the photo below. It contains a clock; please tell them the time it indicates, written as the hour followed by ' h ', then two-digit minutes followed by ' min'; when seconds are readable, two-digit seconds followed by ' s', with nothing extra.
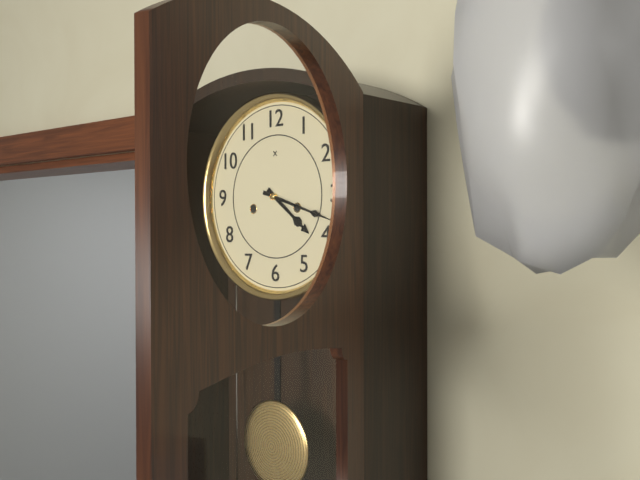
4 h 18 min
